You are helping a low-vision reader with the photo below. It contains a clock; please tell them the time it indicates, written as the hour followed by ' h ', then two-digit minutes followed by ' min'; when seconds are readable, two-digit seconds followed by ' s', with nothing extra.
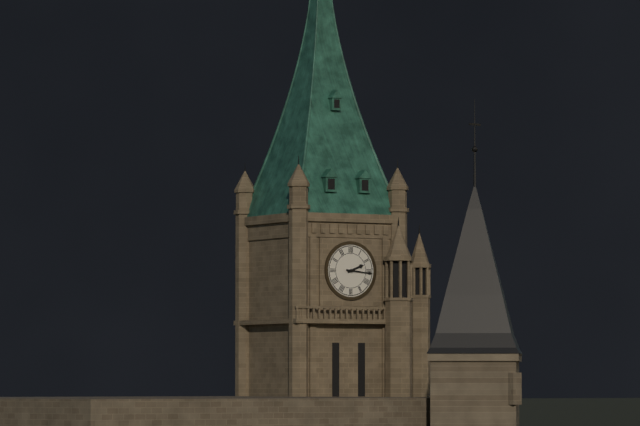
2 h 16 min
